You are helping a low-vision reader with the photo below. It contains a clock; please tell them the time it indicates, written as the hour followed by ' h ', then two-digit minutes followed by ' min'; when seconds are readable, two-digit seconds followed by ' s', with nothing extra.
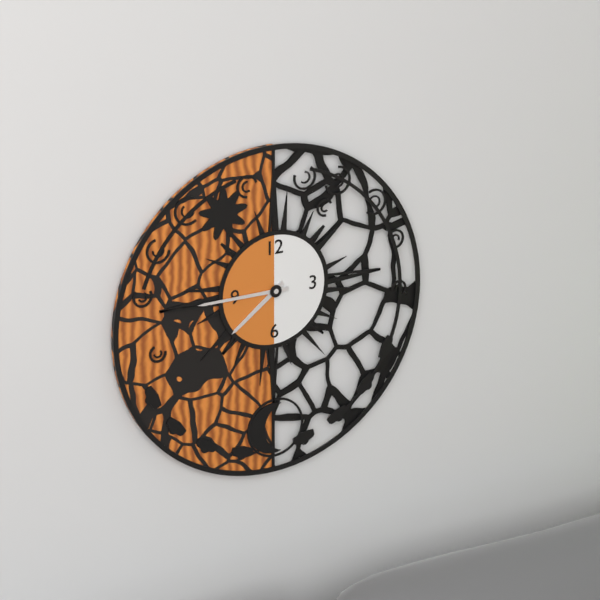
7 h 45 min
